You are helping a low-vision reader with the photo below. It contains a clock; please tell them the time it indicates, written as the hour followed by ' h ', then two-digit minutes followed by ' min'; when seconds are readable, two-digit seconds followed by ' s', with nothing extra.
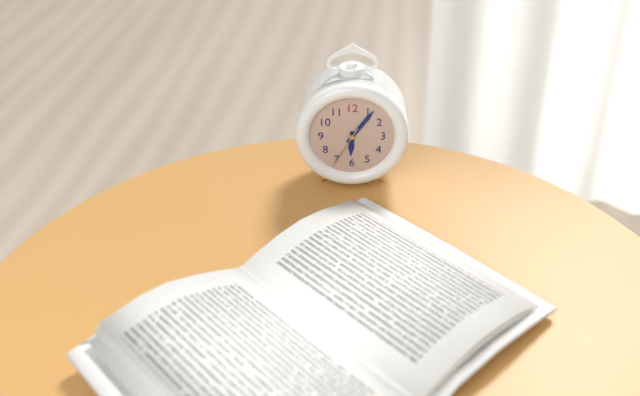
6 h 06 min
